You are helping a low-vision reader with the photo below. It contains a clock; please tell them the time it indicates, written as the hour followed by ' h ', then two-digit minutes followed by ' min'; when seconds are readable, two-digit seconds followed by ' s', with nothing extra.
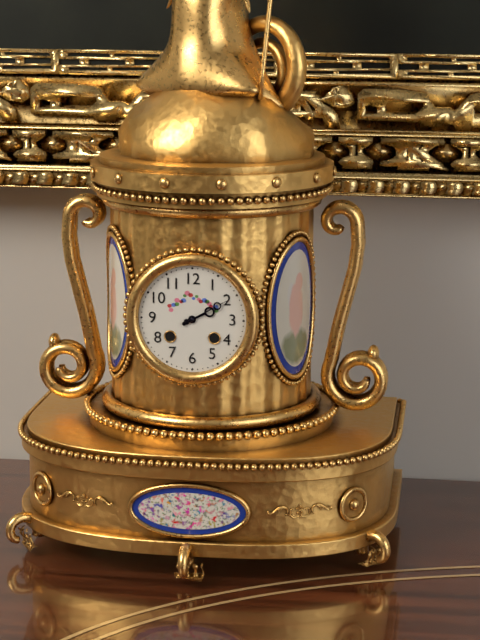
2 h 10 min
